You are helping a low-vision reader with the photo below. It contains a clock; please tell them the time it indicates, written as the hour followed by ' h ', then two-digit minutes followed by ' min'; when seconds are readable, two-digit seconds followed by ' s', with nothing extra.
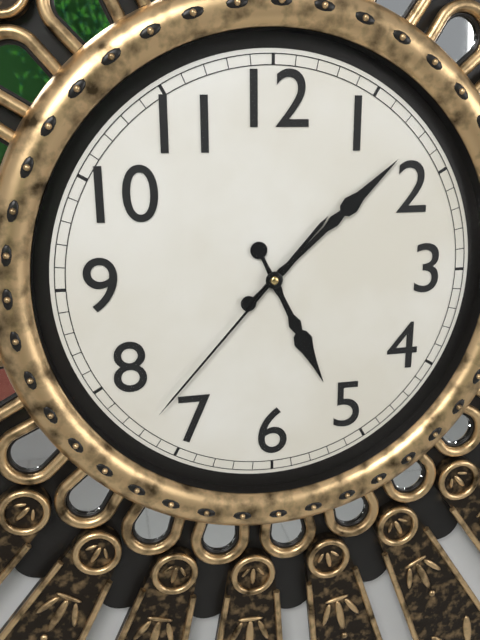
5 h 08 min 37 s
